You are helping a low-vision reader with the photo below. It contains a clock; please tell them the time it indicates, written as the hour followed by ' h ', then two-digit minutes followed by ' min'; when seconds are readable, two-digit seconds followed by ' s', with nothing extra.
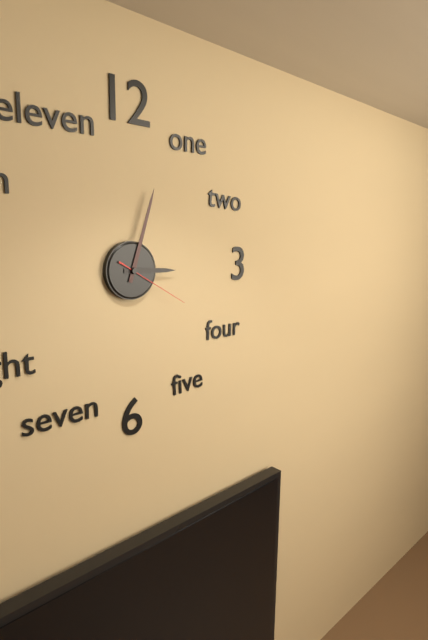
3 h 03 min 20 s
